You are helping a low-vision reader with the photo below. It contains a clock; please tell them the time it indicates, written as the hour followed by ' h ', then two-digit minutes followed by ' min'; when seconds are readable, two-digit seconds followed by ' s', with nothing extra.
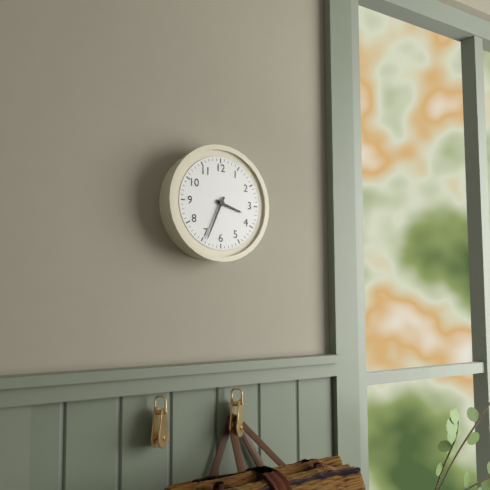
3 h 34 min
